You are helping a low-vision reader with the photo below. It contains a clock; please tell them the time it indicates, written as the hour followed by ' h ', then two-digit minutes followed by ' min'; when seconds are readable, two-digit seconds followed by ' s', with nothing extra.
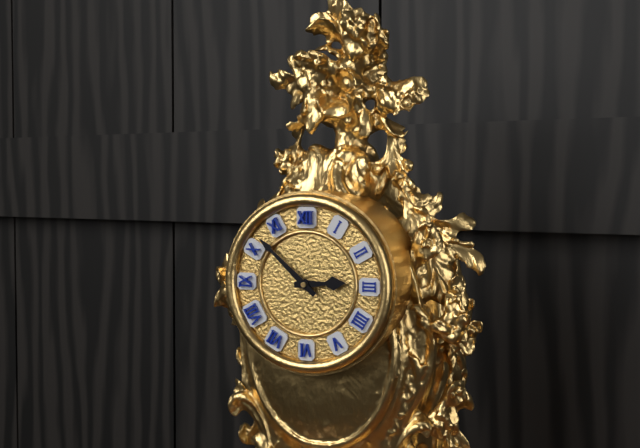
2 h 52 min
